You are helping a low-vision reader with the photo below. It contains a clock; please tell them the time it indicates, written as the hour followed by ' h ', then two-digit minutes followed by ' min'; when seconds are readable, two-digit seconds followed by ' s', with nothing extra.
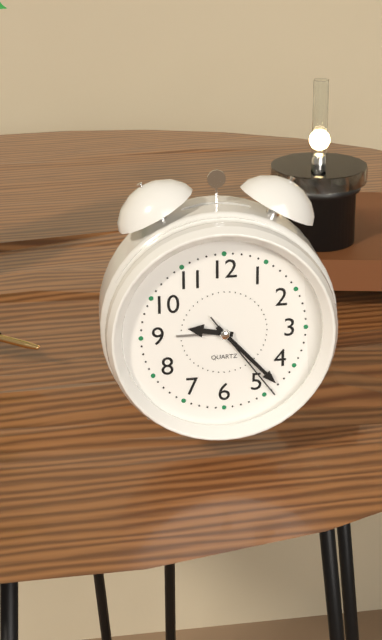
9 h 23 min 24 s
